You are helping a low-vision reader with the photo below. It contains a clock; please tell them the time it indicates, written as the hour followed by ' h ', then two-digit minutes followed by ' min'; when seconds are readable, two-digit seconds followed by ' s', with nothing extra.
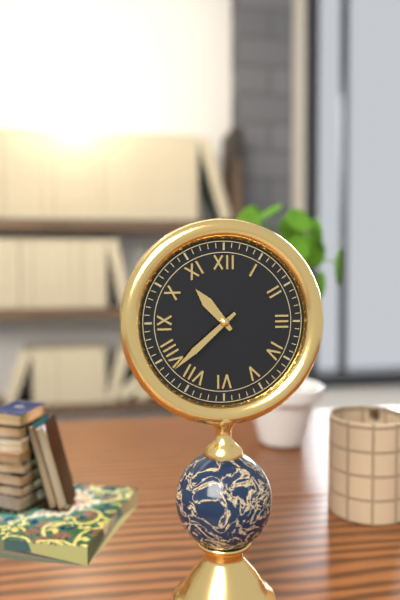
10 h 38 min
